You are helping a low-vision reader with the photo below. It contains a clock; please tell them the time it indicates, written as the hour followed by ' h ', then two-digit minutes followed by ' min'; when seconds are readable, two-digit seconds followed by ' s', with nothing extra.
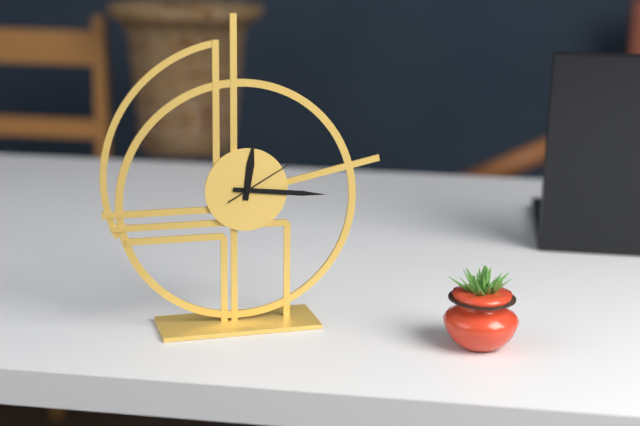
12 h 16 min 10 s
